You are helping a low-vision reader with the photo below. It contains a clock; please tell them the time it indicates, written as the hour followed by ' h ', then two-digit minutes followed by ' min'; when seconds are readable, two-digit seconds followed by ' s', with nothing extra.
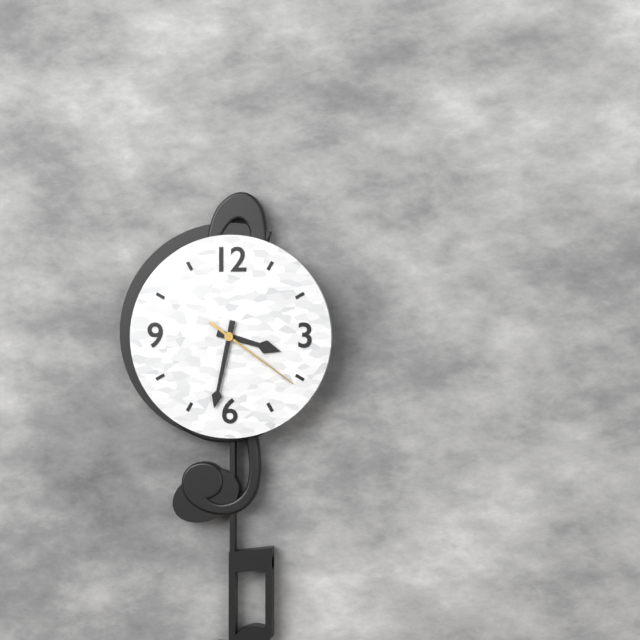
3 h 32 min 21 s
